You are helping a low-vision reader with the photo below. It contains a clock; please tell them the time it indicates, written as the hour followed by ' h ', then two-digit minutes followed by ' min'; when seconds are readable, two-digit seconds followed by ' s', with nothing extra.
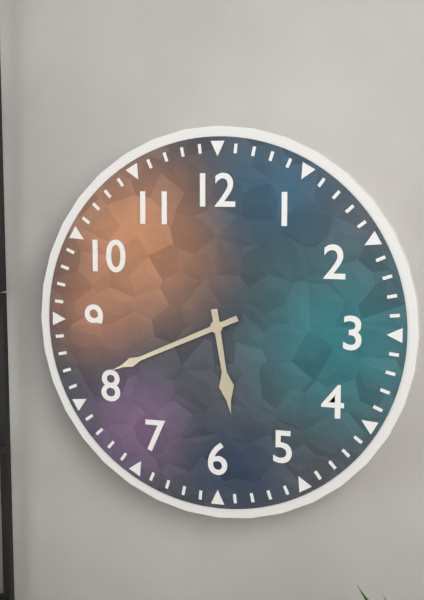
5 h 41 min
